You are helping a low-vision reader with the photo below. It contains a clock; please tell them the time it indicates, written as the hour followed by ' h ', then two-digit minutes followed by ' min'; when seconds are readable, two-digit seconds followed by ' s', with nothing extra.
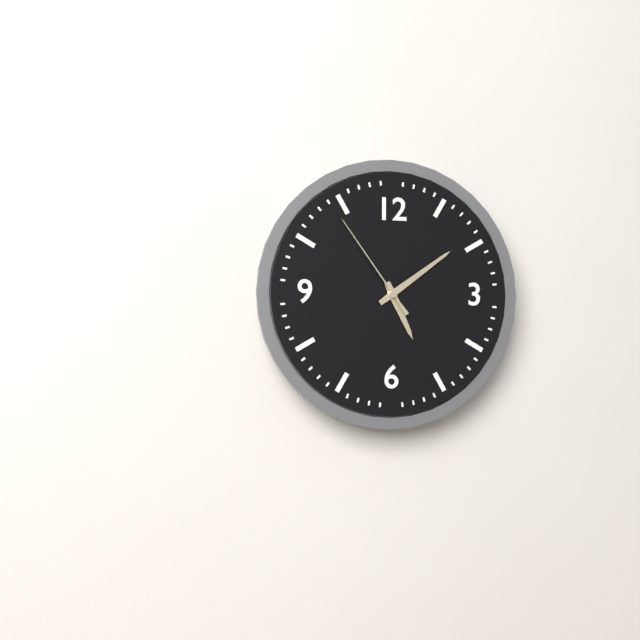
5 h 09 min 54 s
